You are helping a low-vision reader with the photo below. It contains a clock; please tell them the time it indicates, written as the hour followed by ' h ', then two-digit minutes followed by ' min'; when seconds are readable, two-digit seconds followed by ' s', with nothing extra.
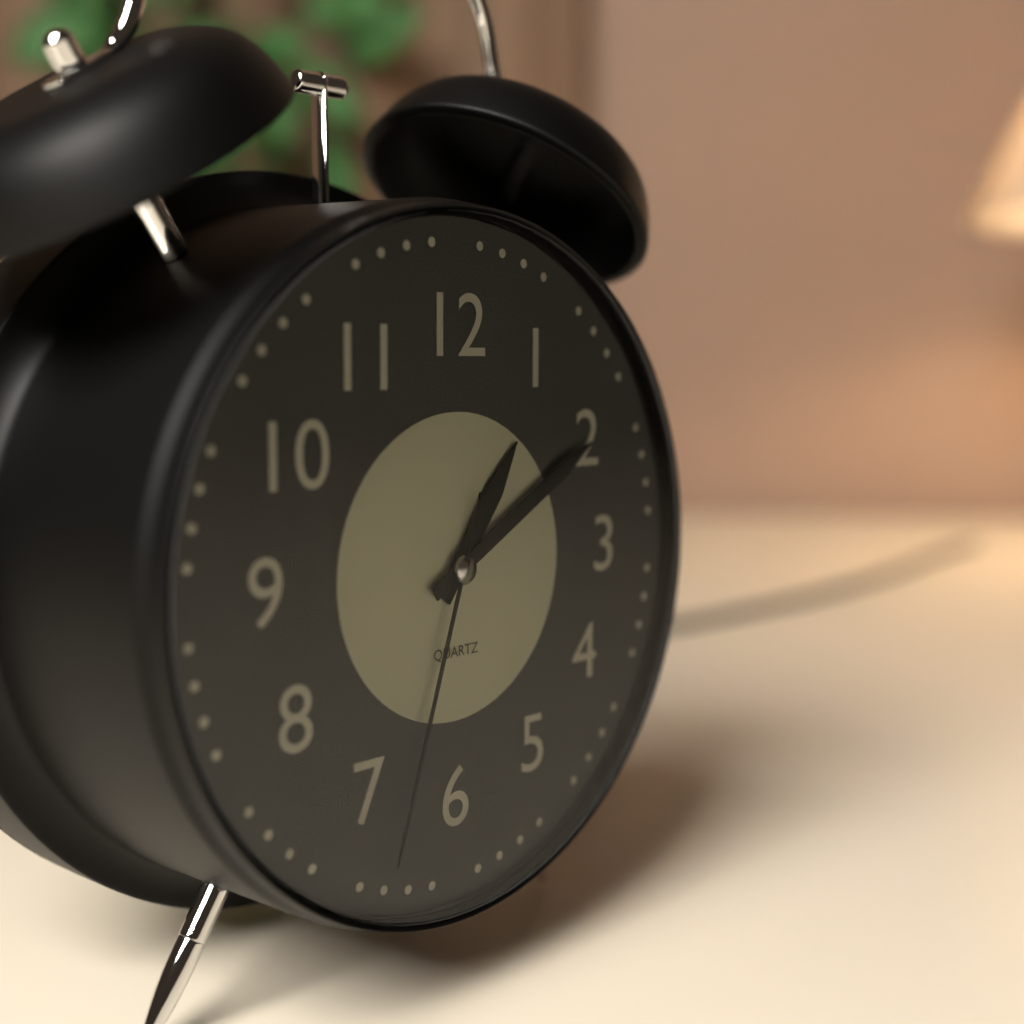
1 h 10 min 33 s
